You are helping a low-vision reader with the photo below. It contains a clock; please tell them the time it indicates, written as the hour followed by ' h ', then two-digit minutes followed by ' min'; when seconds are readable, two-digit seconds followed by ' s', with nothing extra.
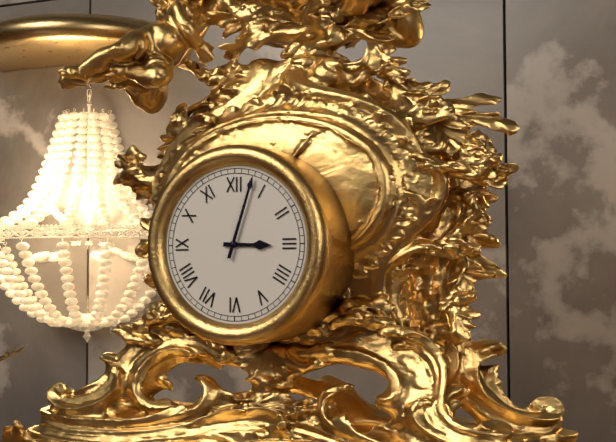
3 h 03 min
